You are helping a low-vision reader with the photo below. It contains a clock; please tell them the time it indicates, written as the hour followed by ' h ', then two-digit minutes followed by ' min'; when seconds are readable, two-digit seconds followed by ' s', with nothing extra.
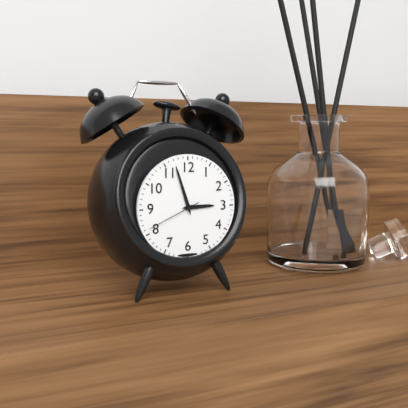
2 h 57 min 41 s
